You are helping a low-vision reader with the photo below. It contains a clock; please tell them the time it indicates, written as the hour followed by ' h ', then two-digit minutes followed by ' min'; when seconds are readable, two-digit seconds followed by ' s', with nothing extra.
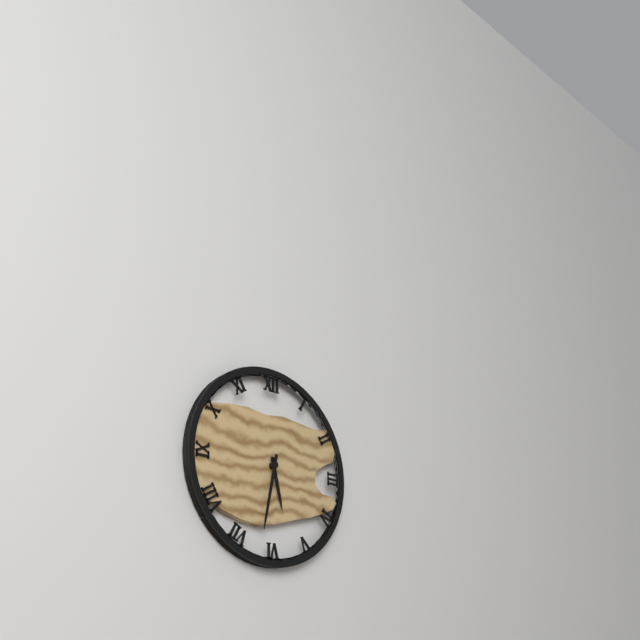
5 h 32 min
